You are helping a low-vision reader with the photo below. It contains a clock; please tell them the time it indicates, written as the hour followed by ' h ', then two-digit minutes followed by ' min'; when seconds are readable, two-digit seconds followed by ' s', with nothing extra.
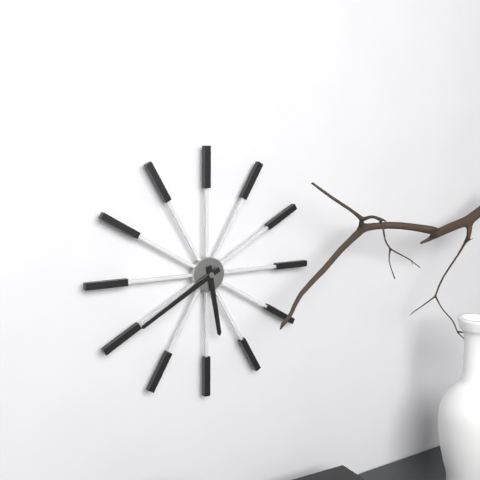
5 h 40 min
